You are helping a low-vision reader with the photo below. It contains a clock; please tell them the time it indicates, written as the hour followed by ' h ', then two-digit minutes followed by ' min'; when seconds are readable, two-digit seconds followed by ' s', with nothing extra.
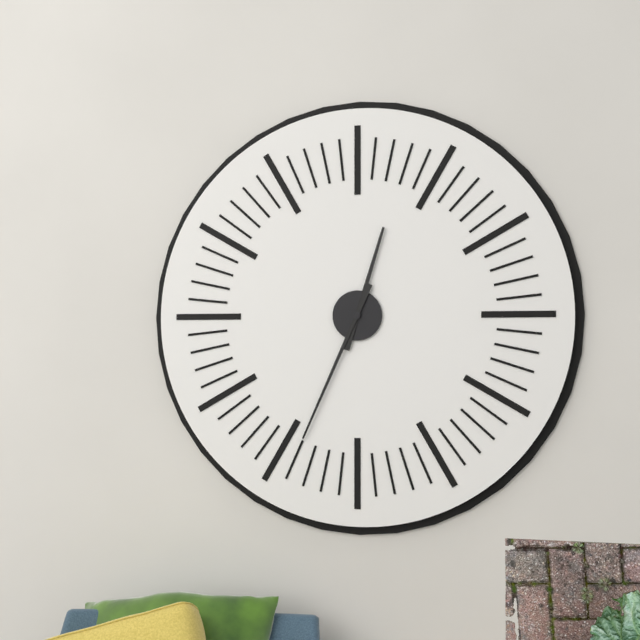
12 h 34 min
